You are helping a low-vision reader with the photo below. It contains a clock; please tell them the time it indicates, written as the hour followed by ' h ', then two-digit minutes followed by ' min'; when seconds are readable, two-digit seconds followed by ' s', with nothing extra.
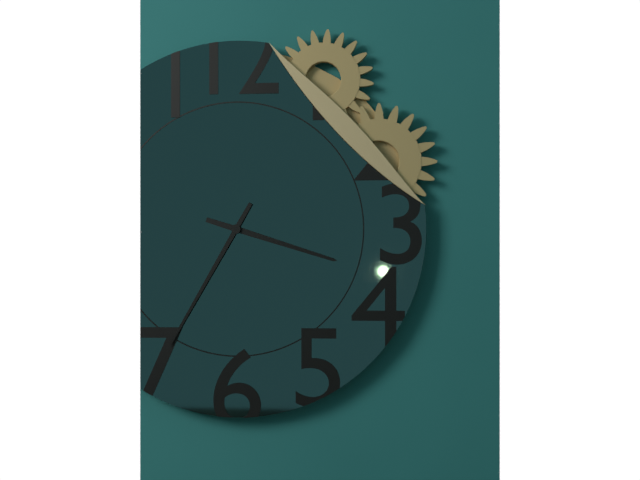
3 h 35 min
